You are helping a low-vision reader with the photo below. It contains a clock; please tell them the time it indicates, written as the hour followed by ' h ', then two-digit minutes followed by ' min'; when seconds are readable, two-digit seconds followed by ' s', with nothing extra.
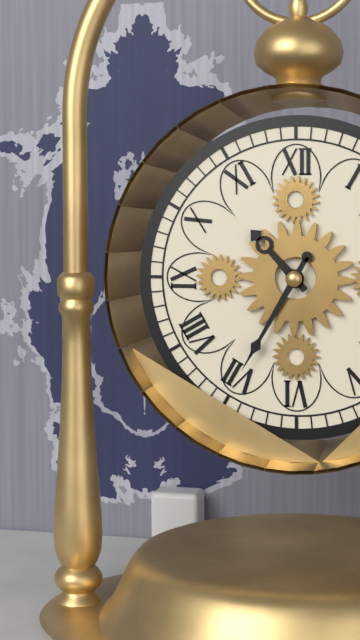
10 h 35 min
